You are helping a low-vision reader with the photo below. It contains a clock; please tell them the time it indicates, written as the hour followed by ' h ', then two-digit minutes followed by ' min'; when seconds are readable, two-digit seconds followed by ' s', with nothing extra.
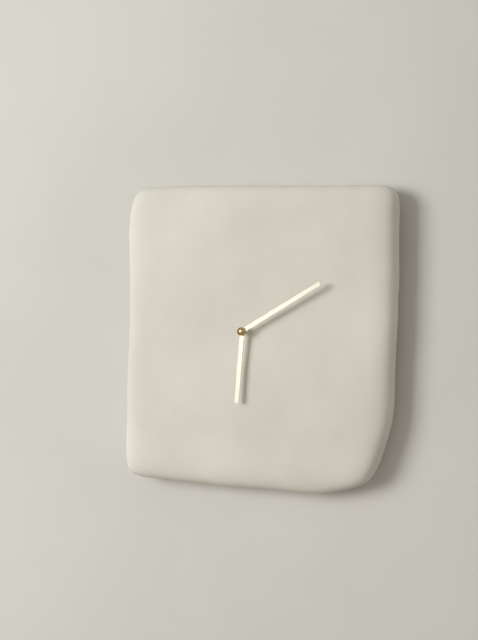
6 h 10 min
